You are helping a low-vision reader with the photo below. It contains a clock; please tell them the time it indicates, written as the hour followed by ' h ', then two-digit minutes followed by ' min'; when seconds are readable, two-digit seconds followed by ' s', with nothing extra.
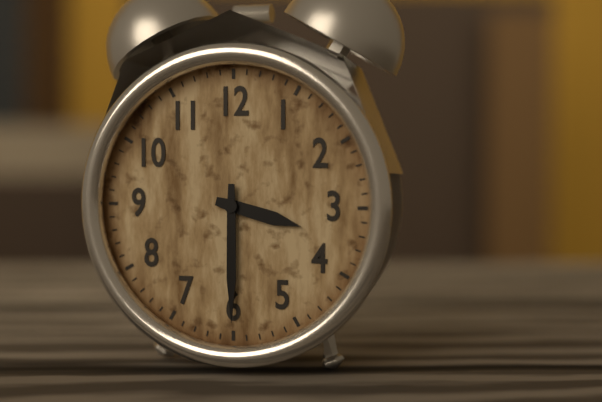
3 h 30 min
